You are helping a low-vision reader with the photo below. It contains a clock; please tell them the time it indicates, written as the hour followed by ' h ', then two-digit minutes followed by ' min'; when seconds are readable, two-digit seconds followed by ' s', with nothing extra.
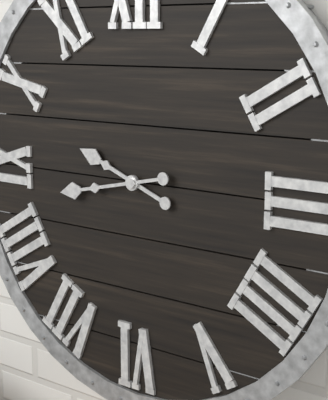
9 h 43 min
